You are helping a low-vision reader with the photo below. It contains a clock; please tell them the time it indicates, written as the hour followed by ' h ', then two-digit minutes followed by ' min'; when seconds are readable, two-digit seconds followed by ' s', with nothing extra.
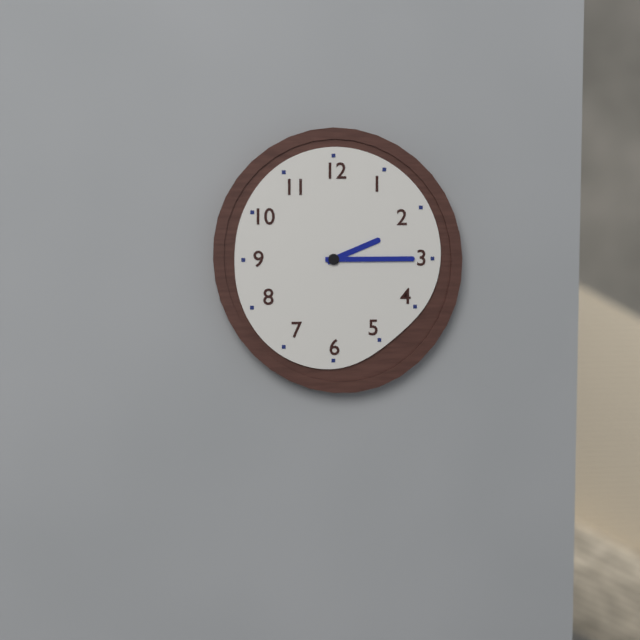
2 h 15 min
